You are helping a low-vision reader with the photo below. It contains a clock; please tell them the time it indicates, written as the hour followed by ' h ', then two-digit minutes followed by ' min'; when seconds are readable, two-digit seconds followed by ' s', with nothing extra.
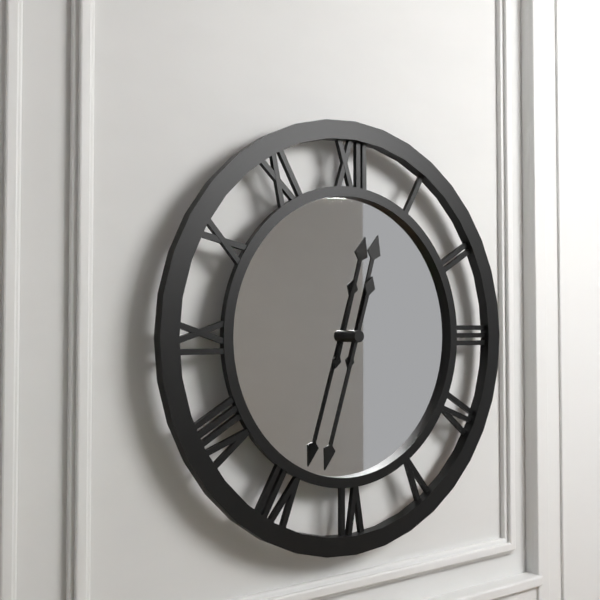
12 h 33 min
